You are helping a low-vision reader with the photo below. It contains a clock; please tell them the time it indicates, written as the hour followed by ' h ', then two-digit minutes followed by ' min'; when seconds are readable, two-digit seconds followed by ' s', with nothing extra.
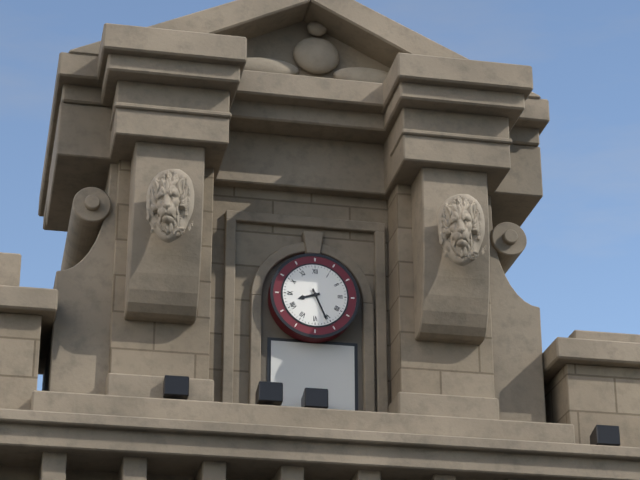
8 h 26 min
